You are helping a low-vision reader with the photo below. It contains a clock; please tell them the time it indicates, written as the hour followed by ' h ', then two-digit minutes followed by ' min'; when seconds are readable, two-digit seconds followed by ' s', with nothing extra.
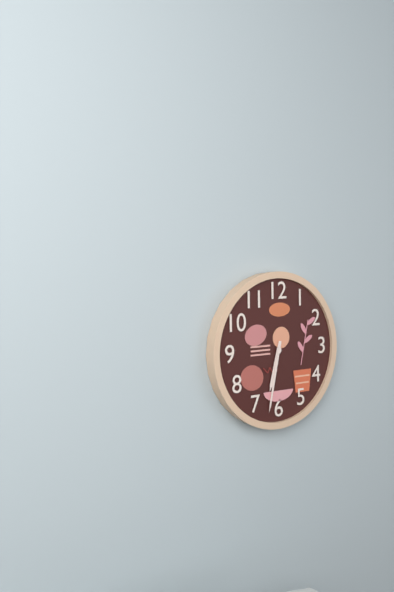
6 h 32 min
